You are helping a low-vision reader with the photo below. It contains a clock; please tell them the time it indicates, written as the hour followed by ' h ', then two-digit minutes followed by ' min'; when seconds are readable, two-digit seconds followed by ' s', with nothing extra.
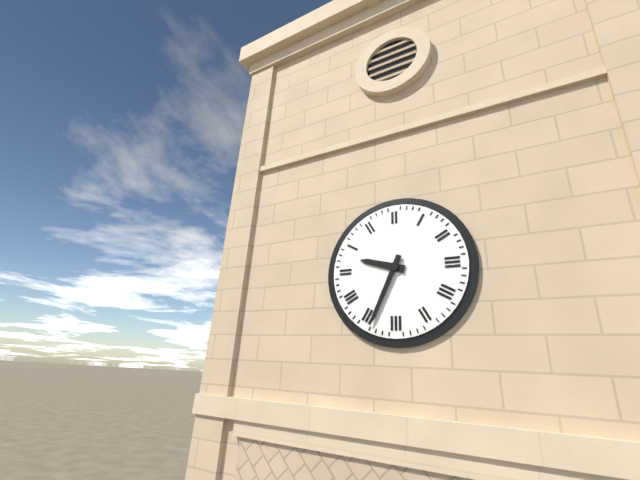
9 h 34 min
